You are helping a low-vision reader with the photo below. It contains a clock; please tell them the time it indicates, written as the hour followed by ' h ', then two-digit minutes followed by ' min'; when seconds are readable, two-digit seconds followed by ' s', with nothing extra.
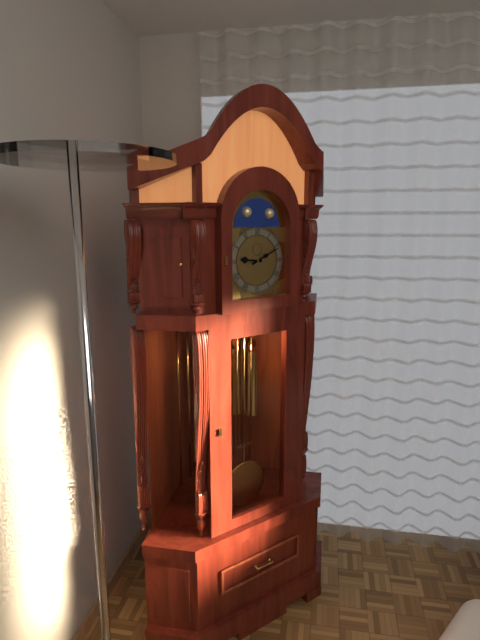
9 h 11 min
